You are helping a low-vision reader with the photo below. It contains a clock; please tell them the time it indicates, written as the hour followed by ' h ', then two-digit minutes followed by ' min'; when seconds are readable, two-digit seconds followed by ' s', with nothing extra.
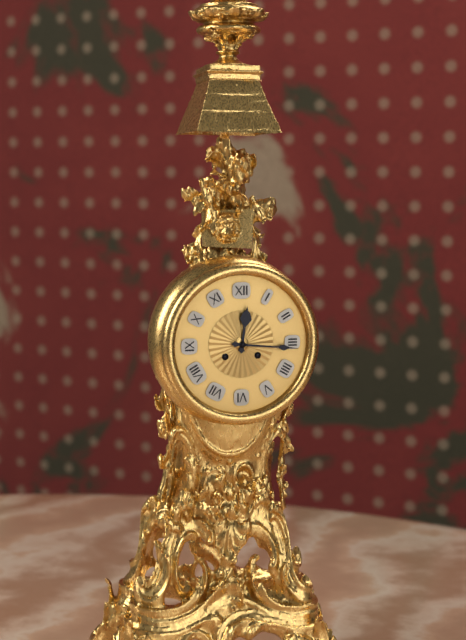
12 h 16 min
